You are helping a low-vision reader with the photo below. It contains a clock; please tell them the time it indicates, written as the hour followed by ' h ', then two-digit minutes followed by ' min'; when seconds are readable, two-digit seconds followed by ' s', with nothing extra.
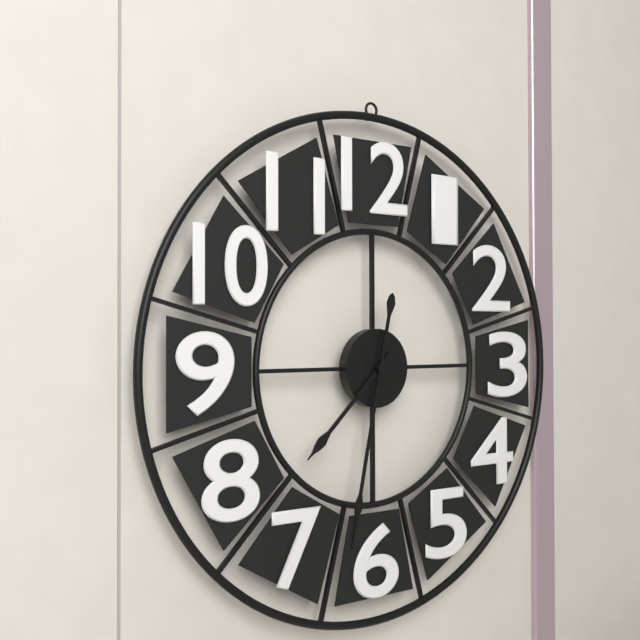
7 h 32 min
